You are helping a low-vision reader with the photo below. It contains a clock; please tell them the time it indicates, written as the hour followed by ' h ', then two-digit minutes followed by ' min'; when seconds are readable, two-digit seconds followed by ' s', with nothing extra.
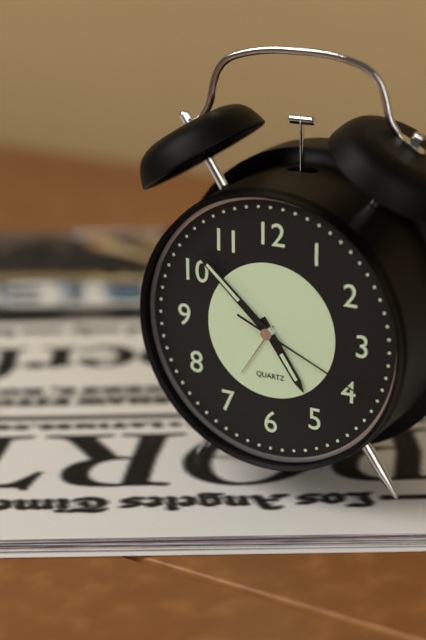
4 h 52 min 19 s
